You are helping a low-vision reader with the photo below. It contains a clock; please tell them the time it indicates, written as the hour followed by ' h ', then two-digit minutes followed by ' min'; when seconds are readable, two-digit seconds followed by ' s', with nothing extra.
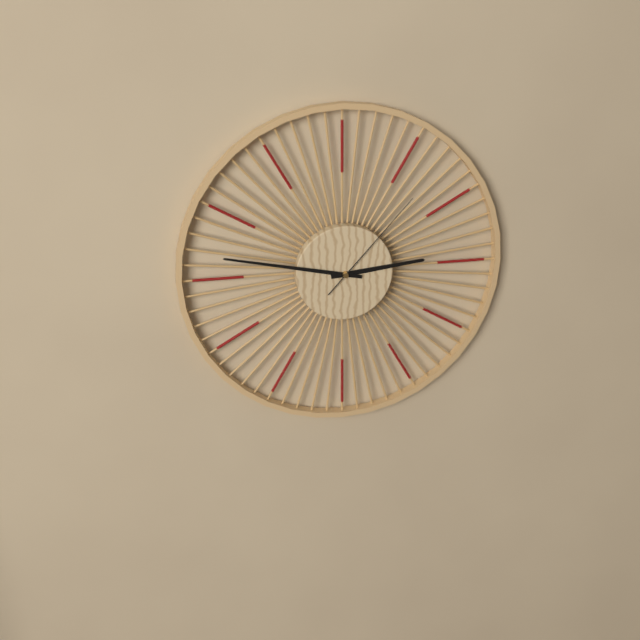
2 h 47 min 07 s
